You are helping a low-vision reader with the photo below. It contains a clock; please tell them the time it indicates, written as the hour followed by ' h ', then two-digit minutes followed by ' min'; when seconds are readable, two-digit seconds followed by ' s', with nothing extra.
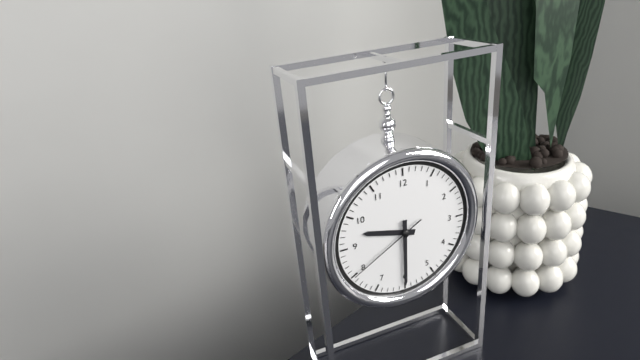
9 h 30 min 40 s
